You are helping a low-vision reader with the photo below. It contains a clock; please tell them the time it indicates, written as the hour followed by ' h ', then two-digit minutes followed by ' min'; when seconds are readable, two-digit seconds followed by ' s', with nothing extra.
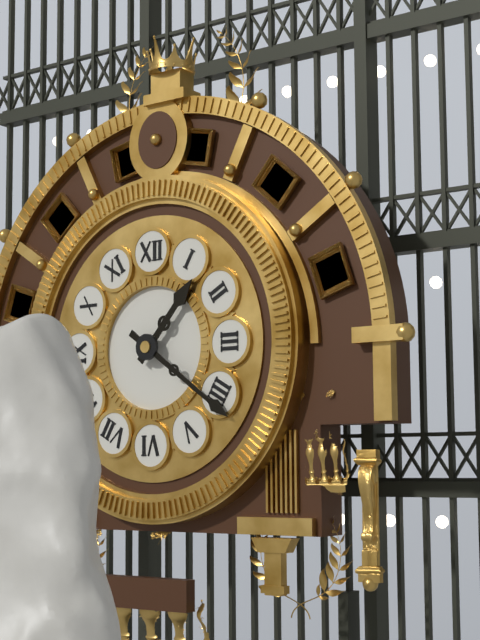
1 h 21 min
